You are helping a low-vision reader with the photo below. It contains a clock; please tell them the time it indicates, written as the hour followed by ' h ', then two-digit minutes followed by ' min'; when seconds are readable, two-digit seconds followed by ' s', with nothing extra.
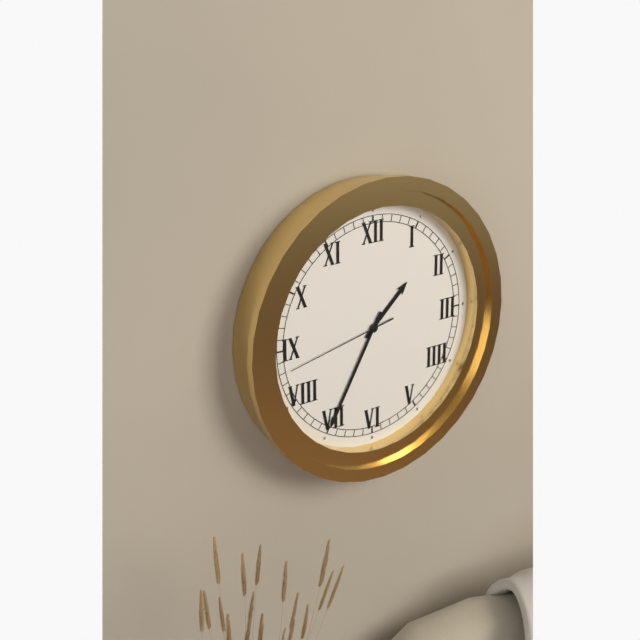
1 h 35 min 43 s
